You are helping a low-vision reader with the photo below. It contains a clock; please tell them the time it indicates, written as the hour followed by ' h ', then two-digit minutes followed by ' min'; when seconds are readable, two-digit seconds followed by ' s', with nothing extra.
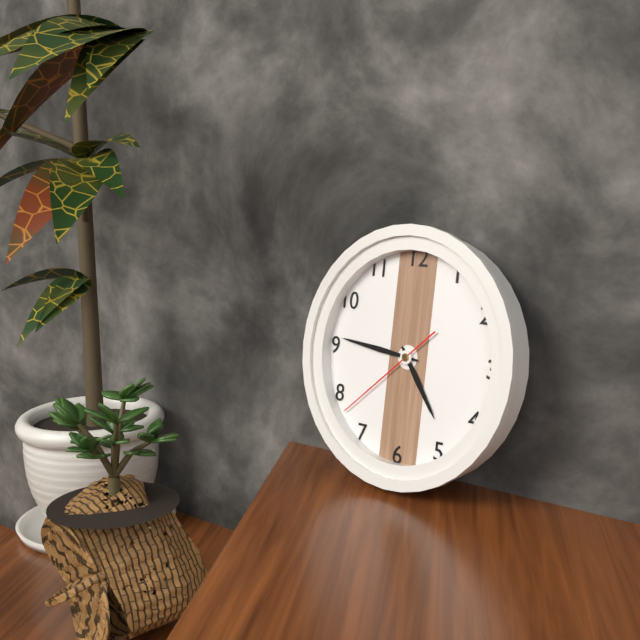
4 h 46 min 38 s
